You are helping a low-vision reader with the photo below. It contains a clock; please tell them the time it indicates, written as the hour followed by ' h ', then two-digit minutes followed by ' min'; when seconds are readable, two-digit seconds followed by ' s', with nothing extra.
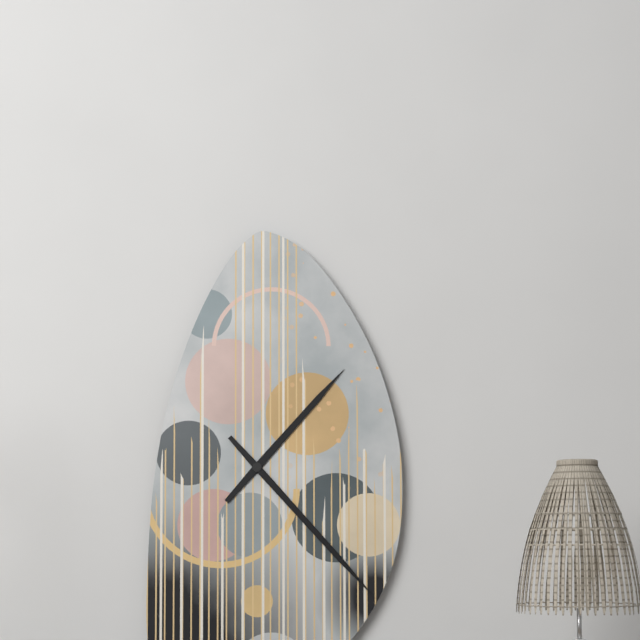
1 h 23 min
